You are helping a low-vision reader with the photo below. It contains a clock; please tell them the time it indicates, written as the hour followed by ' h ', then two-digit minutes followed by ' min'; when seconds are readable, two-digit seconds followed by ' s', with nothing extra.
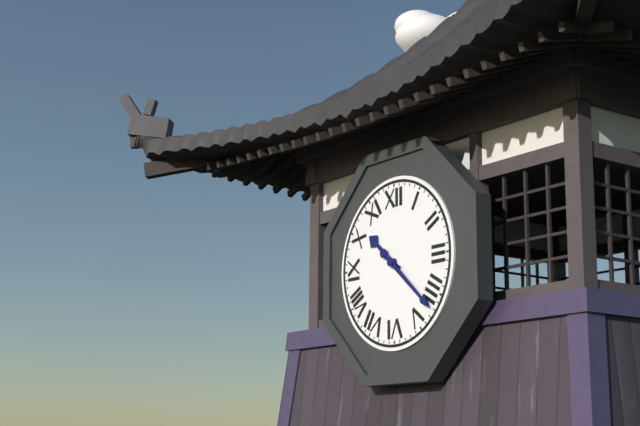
10 h 22 min
